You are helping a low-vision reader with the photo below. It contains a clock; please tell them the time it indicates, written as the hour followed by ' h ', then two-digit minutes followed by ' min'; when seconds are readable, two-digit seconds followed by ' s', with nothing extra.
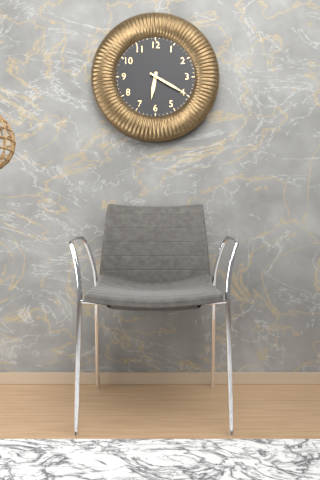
6 h 20 min
